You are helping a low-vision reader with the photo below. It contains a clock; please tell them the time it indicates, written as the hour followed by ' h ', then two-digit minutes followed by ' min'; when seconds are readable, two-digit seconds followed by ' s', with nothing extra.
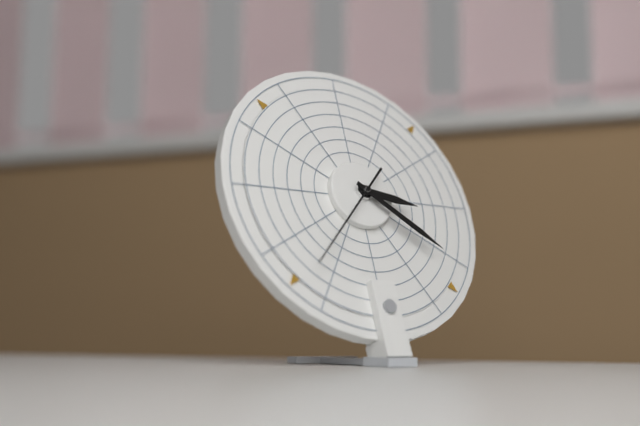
3 h 21 min 37 s
